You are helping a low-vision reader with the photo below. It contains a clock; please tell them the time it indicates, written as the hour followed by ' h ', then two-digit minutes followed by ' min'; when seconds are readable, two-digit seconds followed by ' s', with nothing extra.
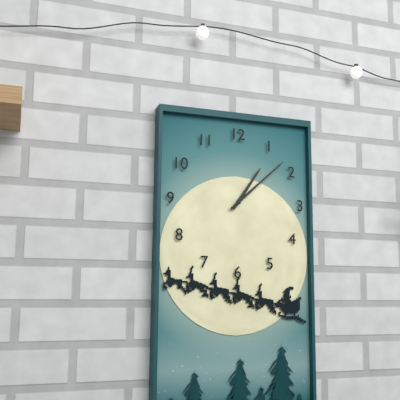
1 h 08 min
